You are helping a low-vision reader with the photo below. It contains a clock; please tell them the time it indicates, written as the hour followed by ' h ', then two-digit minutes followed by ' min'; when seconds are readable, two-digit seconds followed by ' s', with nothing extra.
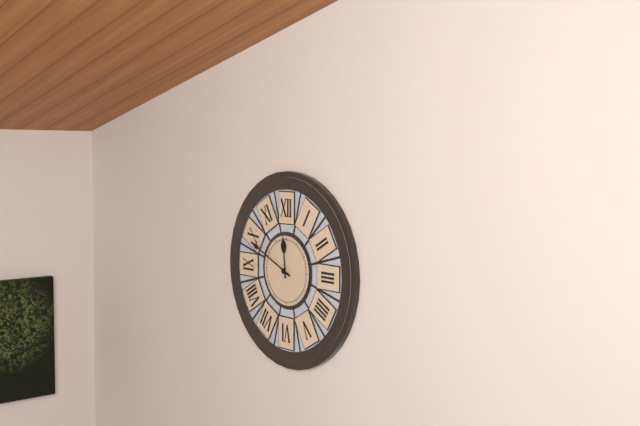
11 h 49 min
